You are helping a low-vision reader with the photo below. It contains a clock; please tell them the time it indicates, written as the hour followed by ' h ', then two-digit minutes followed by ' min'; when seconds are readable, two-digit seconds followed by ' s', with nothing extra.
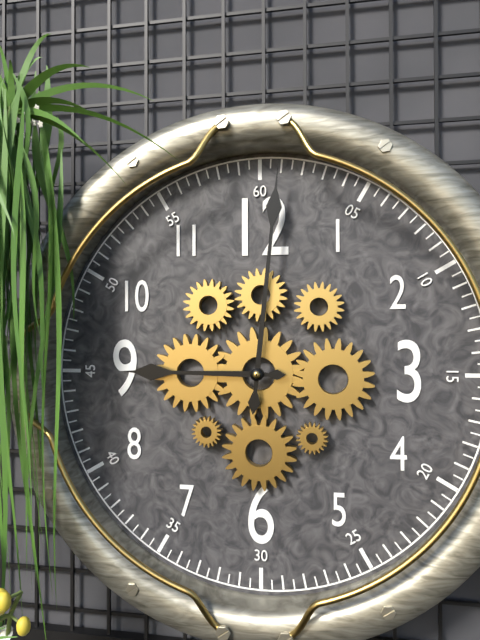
9 h 01 min
